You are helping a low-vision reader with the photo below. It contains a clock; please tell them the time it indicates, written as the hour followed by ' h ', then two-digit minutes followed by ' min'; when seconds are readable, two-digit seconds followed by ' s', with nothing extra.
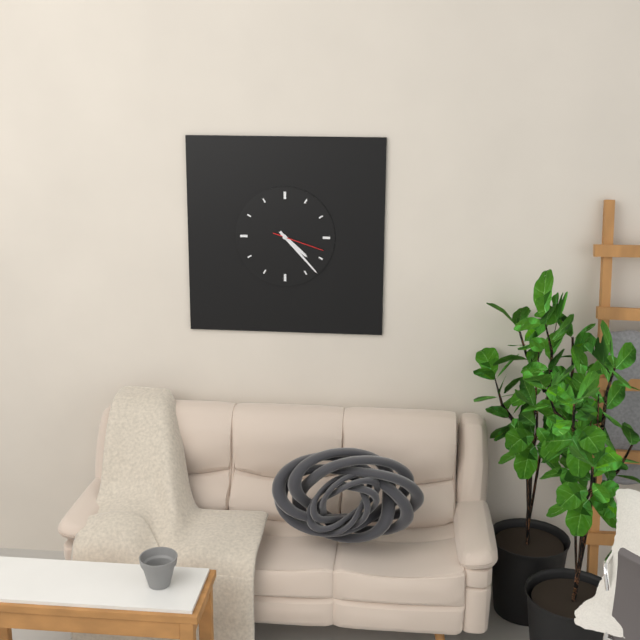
4 h 23 min 18 s
